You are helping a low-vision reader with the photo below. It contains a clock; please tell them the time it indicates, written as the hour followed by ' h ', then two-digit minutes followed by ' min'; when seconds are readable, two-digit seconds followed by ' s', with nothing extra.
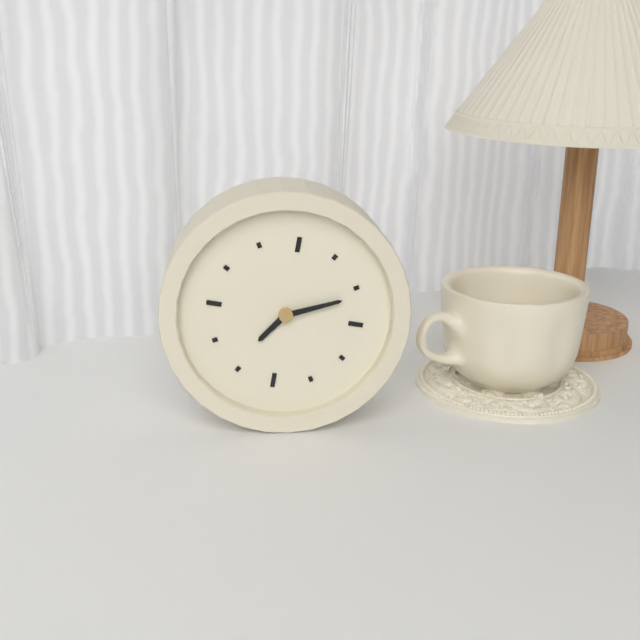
7 h 11 min
